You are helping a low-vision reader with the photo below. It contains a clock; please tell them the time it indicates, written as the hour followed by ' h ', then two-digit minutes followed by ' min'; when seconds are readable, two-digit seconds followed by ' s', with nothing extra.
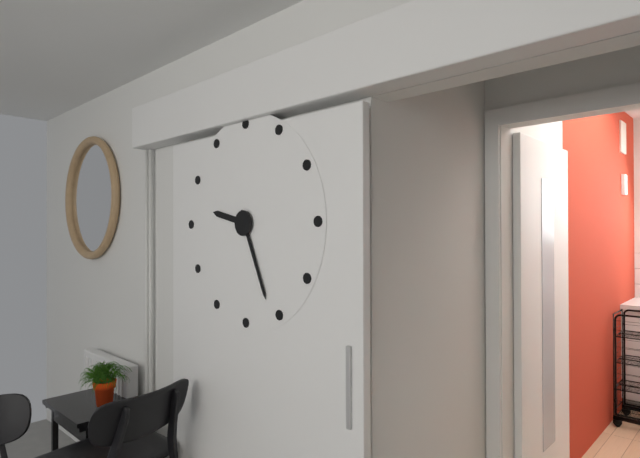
9 h 26 min
